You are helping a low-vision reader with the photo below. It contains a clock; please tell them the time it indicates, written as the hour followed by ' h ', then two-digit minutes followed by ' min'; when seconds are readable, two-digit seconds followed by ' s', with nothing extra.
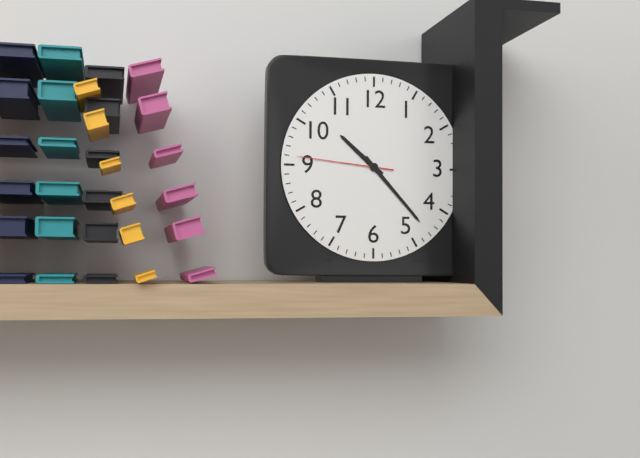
10 h 23 min 46 s
